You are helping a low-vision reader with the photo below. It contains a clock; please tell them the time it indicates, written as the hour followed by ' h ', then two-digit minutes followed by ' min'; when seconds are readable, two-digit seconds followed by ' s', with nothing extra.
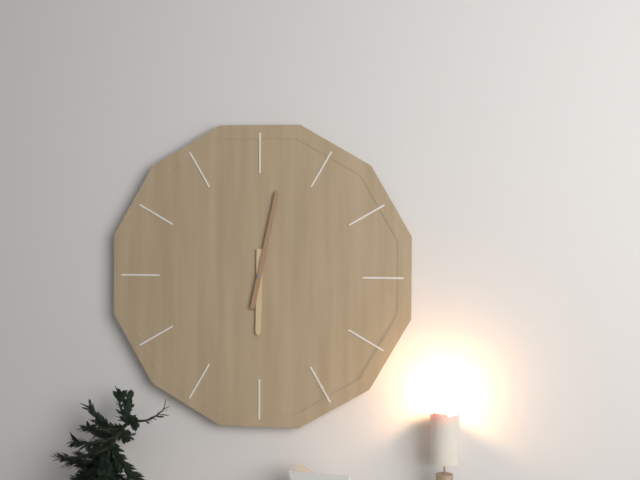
6 h 02 min
